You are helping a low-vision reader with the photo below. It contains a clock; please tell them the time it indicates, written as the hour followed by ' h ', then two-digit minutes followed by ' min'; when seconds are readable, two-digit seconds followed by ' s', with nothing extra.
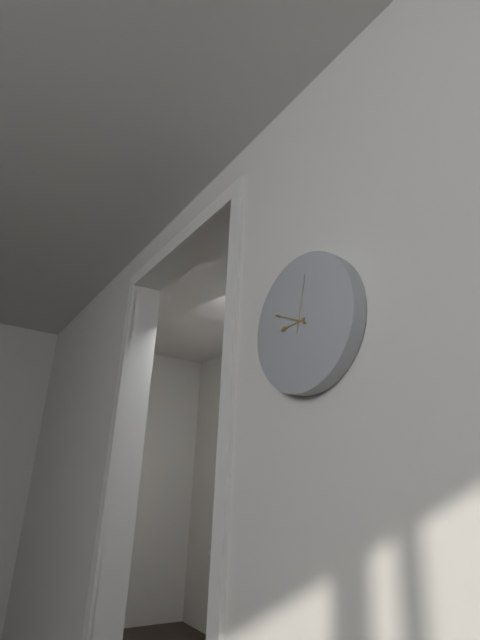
8 h 49 min 02 s
